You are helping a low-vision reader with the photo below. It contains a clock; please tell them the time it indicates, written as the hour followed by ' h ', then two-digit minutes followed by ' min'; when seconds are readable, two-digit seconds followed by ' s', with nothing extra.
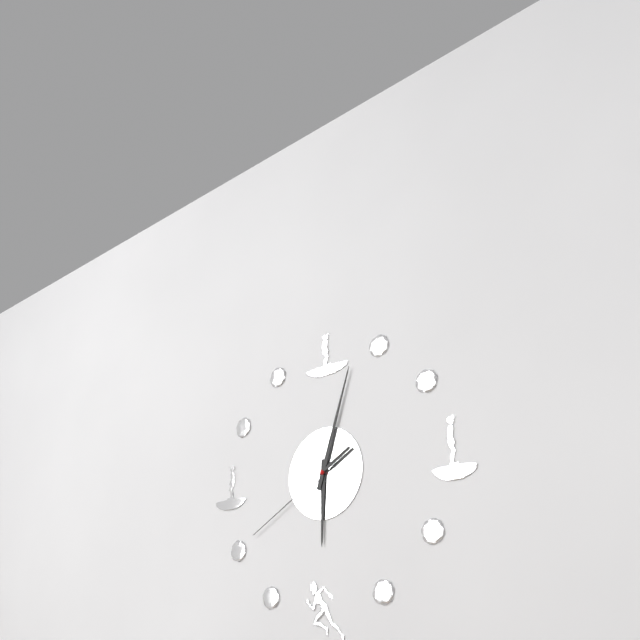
6 h 03 min 40 s
